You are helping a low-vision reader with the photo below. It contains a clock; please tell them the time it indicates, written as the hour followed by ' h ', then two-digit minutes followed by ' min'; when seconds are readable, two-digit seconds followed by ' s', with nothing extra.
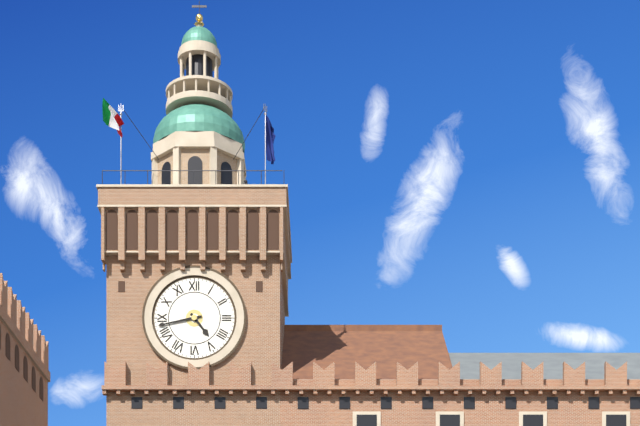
4 h 43 min
